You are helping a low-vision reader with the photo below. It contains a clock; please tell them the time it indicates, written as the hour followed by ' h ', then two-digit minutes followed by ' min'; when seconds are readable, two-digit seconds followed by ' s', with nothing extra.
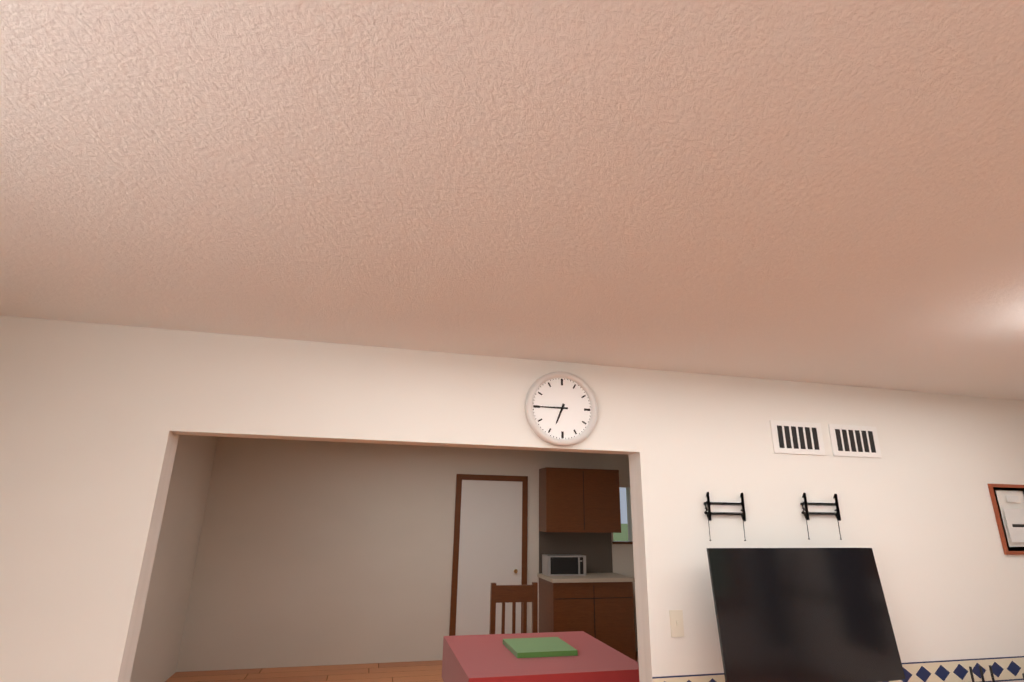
6 h 45 min
